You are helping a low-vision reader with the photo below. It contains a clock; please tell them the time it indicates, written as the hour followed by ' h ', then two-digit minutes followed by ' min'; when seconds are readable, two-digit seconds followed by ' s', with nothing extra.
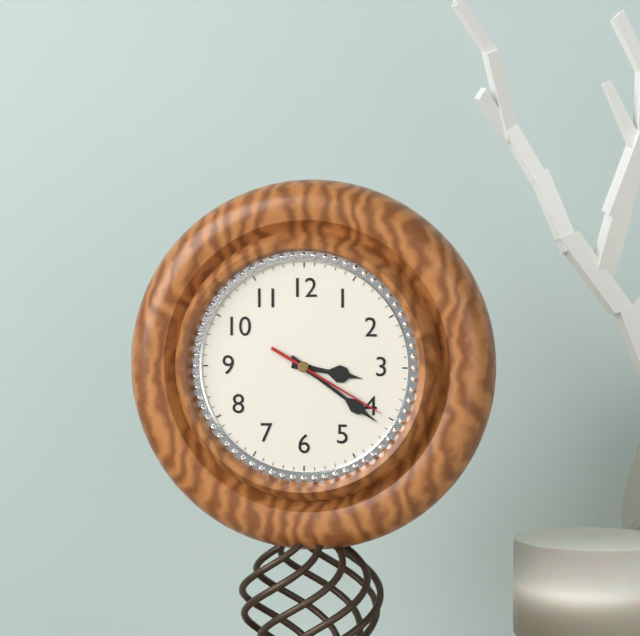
3 h 21 min 20 s
